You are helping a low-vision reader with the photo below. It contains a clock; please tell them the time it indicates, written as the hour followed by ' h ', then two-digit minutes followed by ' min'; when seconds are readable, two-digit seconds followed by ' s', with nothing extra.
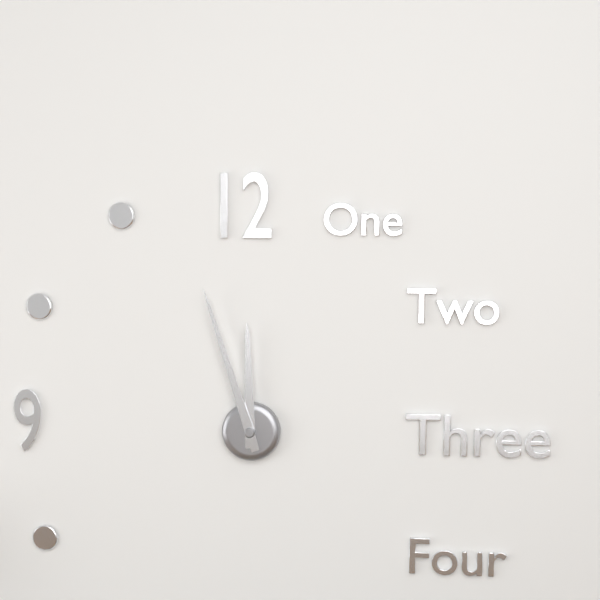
11 h 57 min
